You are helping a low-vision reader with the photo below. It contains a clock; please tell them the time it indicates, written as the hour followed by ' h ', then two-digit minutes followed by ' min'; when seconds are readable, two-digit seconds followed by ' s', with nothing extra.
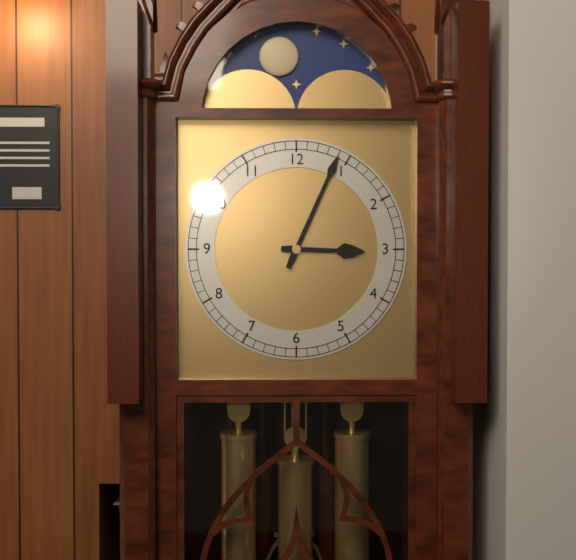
3 h 04 min
